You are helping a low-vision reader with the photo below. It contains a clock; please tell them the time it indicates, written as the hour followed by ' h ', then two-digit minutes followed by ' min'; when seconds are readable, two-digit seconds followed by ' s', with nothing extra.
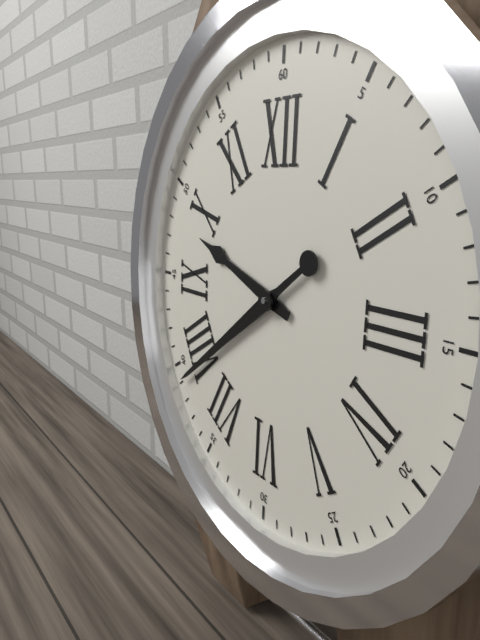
9 h 39 min
